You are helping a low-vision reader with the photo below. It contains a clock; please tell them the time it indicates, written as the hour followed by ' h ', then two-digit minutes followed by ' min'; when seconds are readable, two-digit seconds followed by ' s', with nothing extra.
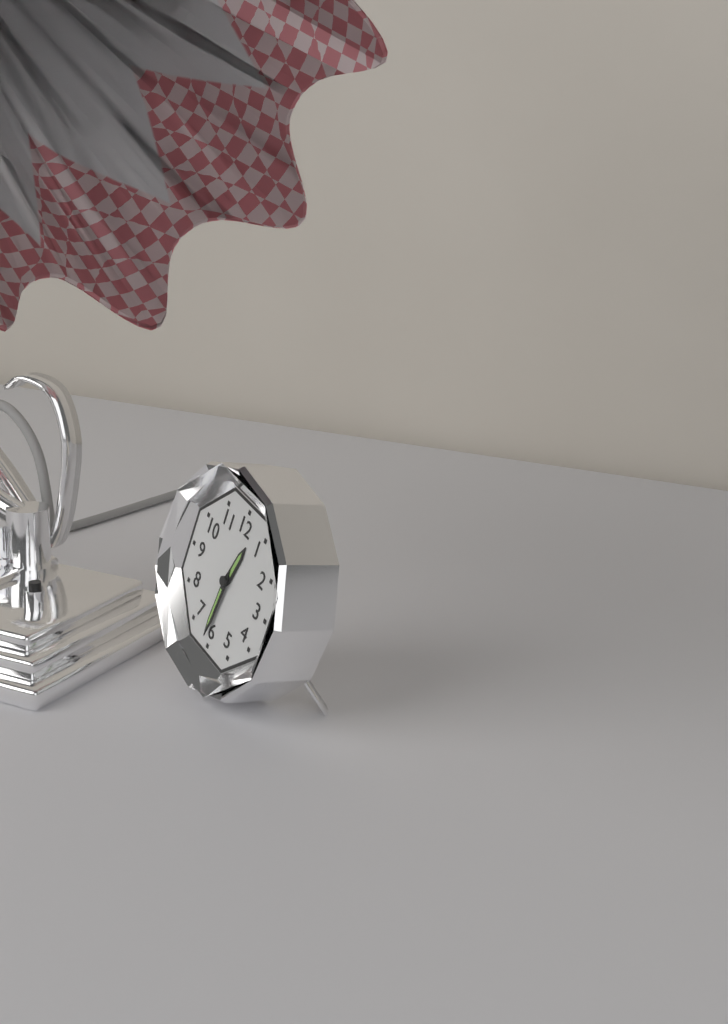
12 h 31 min
